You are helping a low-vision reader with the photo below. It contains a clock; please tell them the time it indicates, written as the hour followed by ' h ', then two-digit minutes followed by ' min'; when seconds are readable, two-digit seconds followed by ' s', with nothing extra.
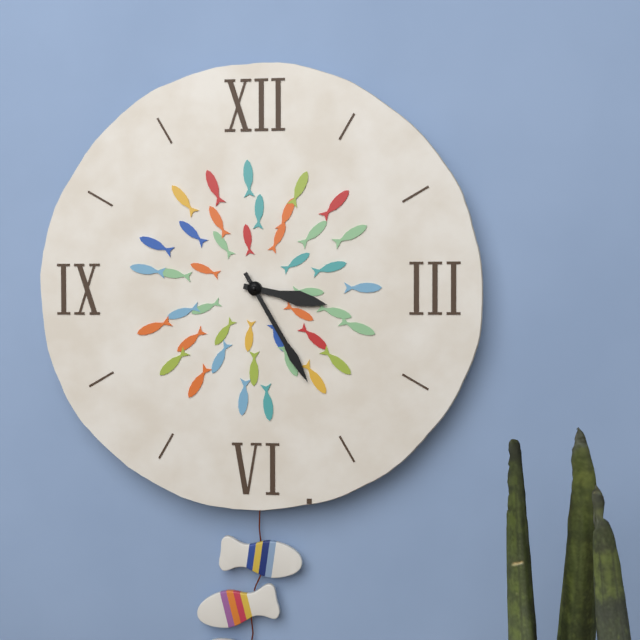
3 h 25 min
